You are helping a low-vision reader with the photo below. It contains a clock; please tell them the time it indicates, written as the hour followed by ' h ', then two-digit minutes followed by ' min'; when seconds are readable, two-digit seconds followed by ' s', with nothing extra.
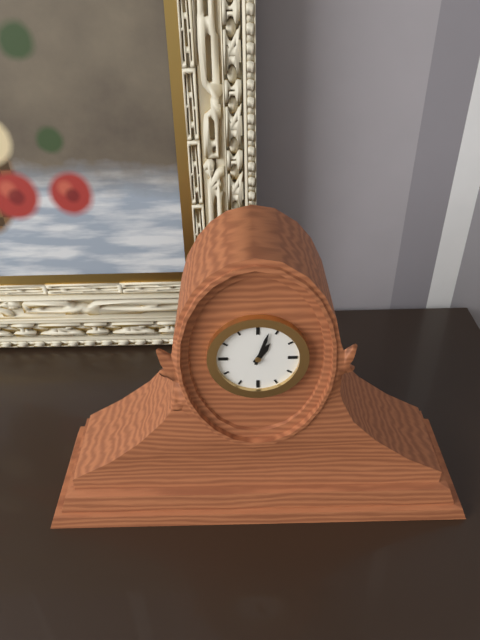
1 h 03 min
